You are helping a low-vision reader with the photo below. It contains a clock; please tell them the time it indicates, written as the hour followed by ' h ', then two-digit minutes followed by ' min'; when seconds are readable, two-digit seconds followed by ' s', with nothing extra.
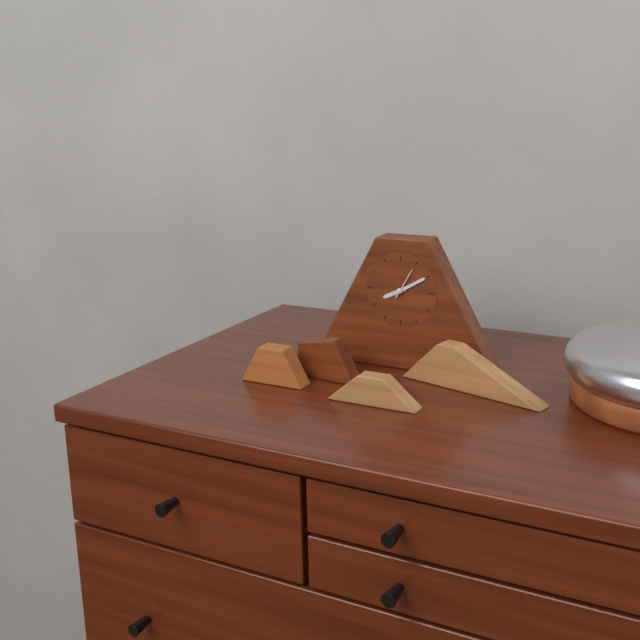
8 h 10 min
